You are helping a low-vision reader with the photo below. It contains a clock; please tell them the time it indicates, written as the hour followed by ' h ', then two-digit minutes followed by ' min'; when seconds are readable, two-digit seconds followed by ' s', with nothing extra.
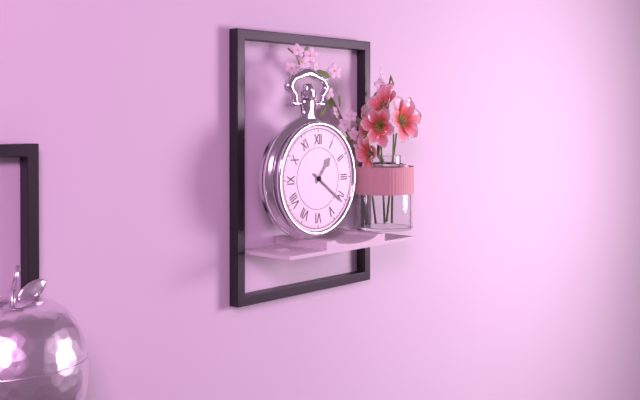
1 h 21 min
